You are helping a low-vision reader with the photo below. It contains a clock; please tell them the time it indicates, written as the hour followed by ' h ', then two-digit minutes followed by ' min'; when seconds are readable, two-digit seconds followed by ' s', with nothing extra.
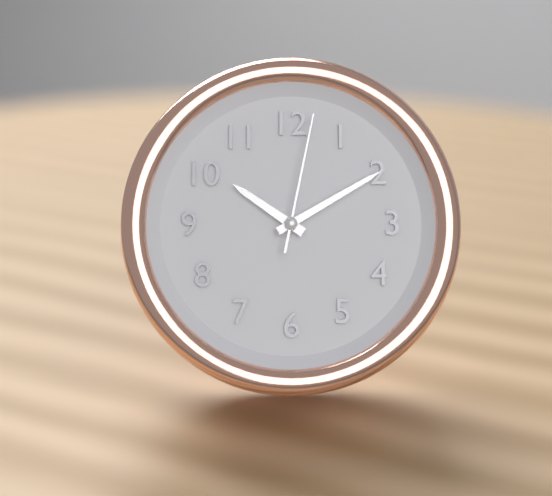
10 h 10 min 02 s
